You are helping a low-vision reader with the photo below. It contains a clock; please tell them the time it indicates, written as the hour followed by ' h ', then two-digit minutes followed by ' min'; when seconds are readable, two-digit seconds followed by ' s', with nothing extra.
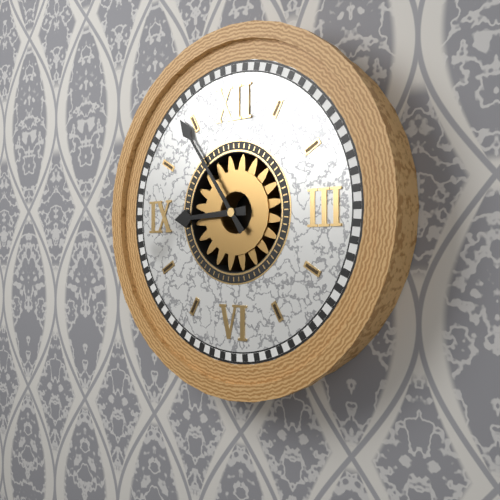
8 h 54 min
